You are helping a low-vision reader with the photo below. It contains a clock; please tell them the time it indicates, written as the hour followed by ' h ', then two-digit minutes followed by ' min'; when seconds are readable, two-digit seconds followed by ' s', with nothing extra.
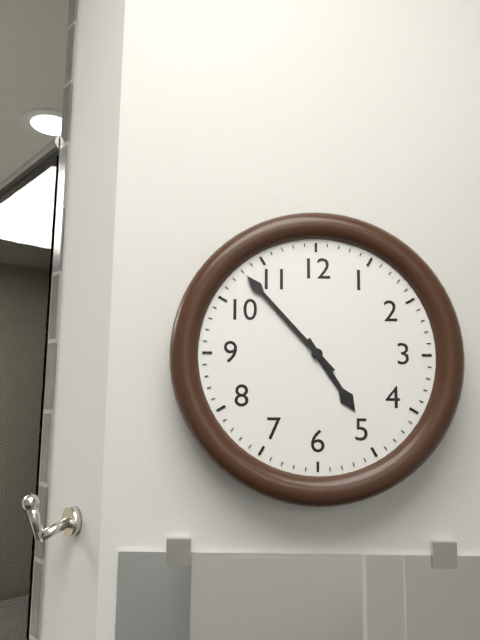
4 h 53 min
